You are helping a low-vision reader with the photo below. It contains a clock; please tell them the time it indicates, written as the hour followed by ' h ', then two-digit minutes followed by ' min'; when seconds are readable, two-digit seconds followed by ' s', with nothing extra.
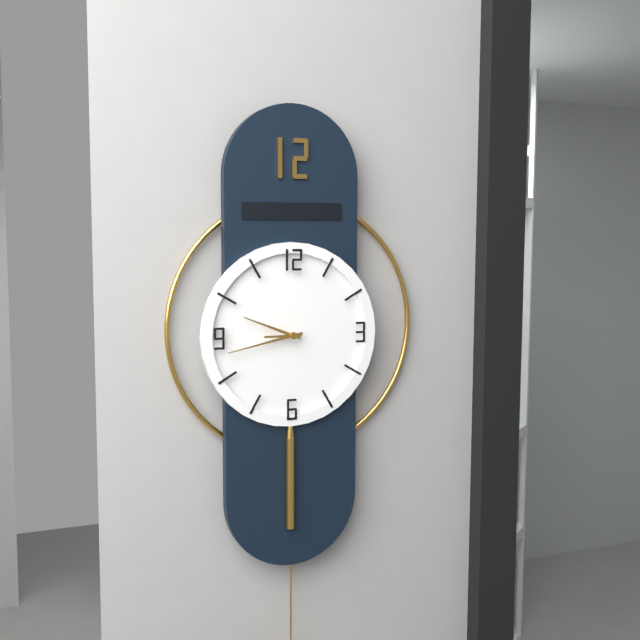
9 h 43 min
